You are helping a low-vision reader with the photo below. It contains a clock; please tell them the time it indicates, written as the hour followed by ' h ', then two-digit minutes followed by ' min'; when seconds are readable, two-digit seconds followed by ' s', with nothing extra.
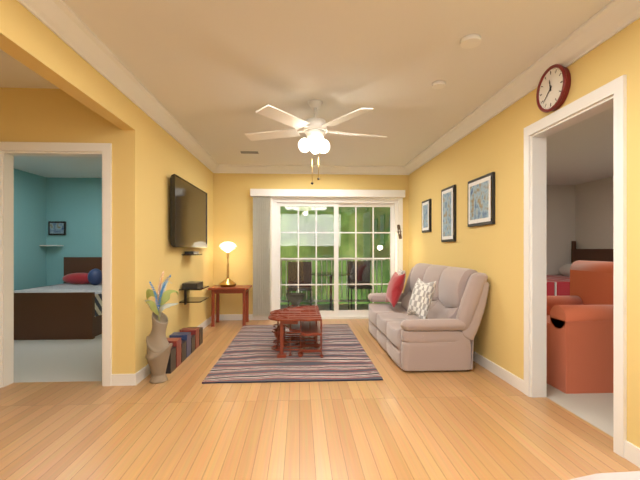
11 h 38 min
